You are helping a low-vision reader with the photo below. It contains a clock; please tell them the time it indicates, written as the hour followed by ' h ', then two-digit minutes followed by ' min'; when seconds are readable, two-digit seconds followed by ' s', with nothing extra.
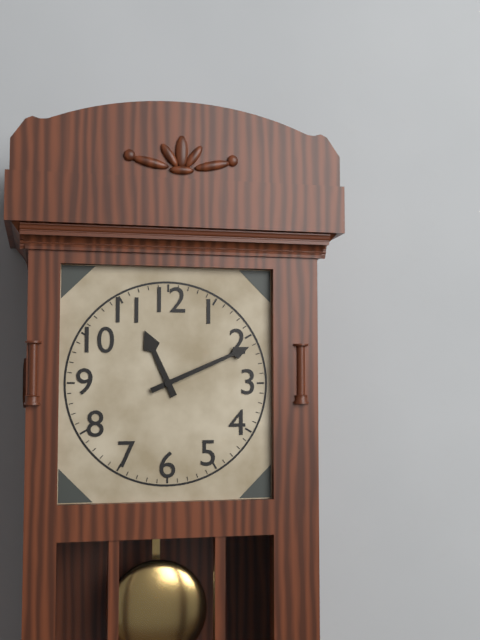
11 h 11 min
